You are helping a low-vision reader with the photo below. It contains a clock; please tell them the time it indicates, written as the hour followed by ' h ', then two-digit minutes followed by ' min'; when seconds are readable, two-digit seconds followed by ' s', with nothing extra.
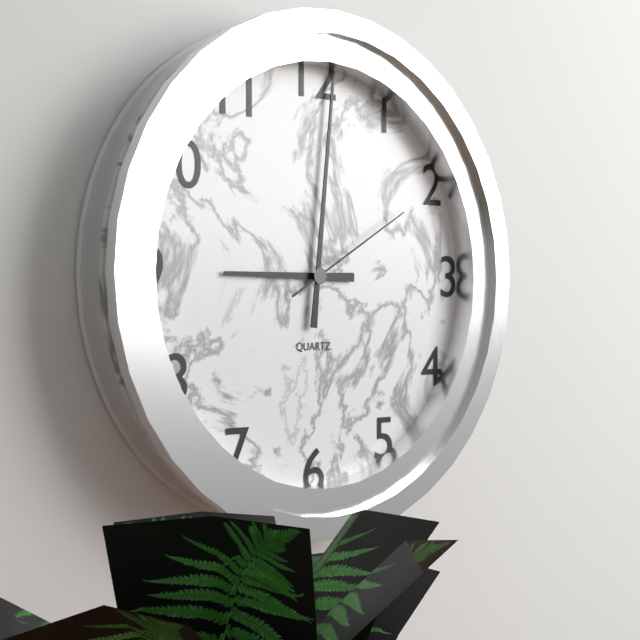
9 h 01 min 10 s
